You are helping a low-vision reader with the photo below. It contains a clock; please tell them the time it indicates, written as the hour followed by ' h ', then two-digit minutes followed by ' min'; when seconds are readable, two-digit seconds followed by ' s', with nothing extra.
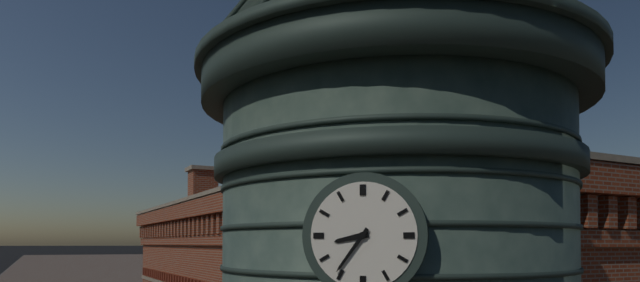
8 h 36 min
